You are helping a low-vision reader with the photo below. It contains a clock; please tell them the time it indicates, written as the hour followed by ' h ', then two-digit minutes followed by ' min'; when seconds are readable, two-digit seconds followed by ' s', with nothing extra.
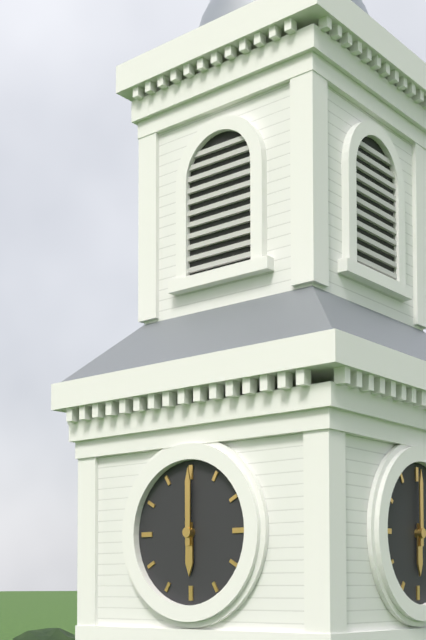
6 h 00 min
